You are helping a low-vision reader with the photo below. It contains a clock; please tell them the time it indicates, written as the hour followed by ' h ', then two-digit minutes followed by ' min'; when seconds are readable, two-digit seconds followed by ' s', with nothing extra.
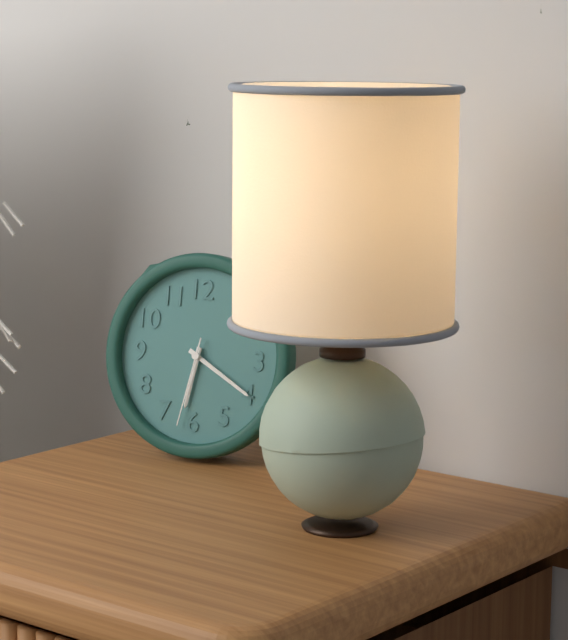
6 h 20 min 32 s
